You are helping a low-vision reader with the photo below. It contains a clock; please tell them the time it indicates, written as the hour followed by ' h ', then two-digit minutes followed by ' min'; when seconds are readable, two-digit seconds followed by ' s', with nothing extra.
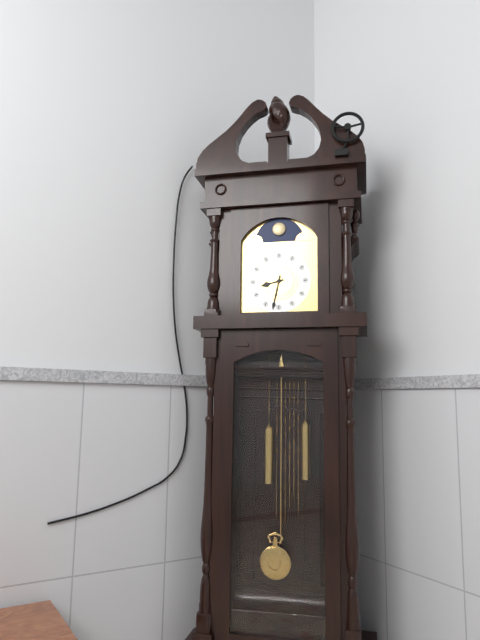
8 h 32 min
